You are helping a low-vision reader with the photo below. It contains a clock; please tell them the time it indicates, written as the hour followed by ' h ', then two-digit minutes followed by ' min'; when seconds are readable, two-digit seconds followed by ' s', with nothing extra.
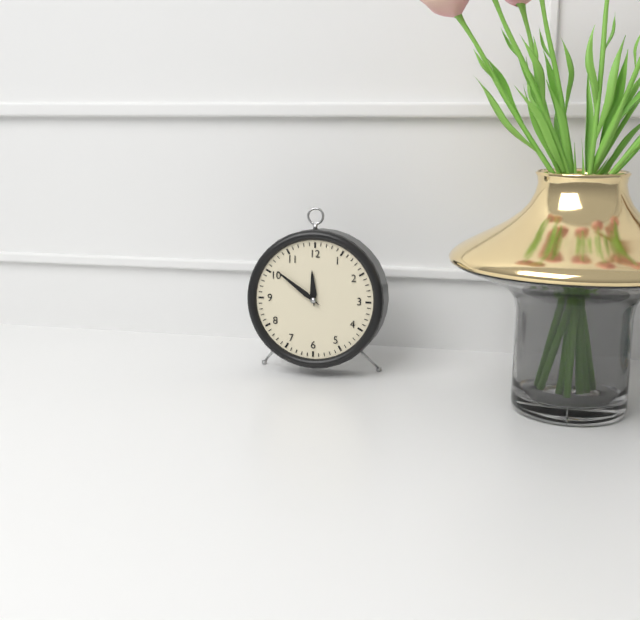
11 h 51 min
